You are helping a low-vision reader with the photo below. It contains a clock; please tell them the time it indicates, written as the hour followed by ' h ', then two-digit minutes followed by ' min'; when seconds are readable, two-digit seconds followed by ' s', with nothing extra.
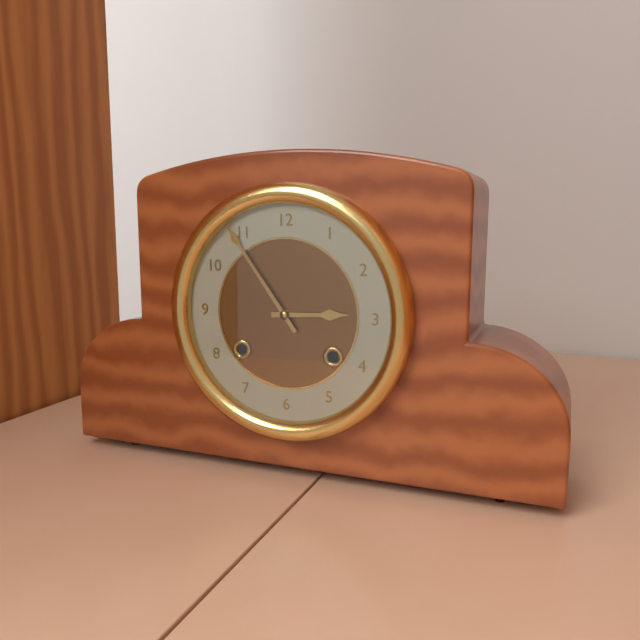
2 h 54 min
